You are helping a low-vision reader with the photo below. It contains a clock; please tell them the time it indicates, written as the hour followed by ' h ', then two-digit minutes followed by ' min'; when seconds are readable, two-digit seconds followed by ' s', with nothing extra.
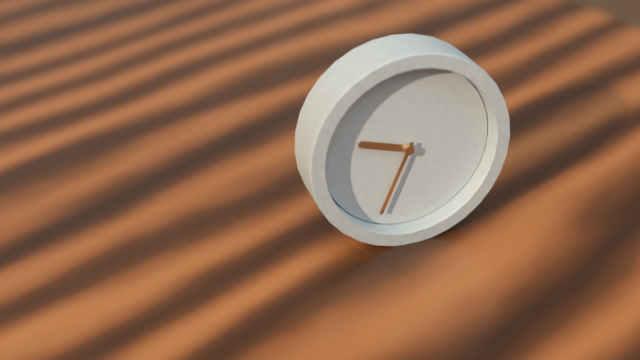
9 h 34 min
